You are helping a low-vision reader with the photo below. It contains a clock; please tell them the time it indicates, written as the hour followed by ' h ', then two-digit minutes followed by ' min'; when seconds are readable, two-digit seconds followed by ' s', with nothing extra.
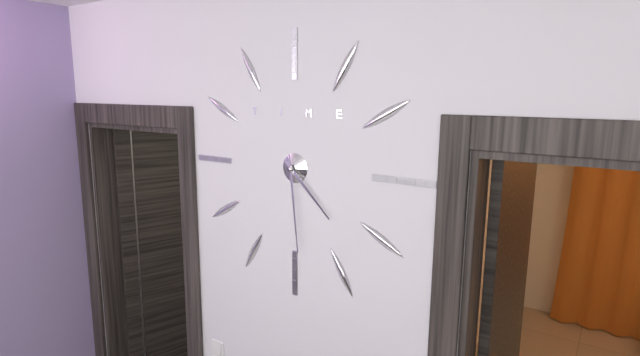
4 h 29 min
